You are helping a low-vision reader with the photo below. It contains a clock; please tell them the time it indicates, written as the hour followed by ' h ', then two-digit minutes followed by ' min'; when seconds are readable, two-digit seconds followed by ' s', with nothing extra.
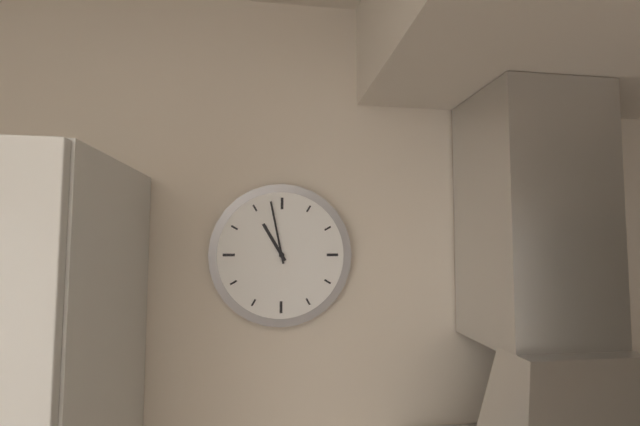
10 h 58 min
